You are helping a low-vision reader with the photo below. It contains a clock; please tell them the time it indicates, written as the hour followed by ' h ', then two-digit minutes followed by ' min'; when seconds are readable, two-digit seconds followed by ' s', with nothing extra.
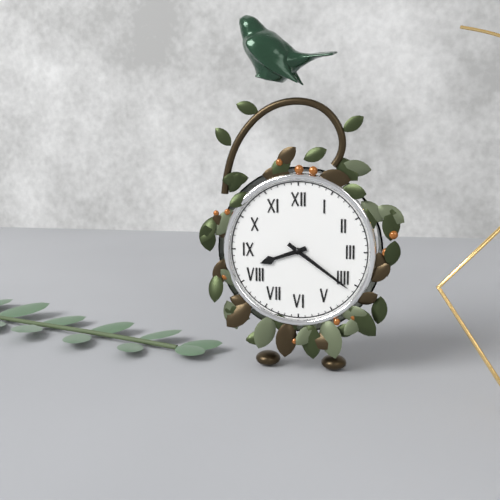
8 h 21 min
